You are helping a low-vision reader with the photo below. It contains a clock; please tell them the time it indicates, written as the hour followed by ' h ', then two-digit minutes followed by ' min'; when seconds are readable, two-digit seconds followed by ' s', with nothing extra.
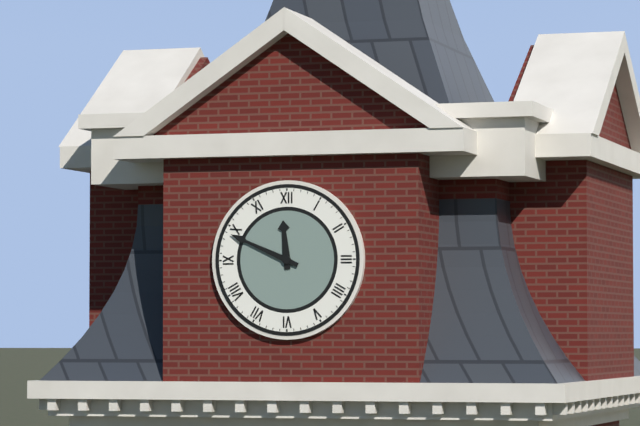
11 h 49 min
